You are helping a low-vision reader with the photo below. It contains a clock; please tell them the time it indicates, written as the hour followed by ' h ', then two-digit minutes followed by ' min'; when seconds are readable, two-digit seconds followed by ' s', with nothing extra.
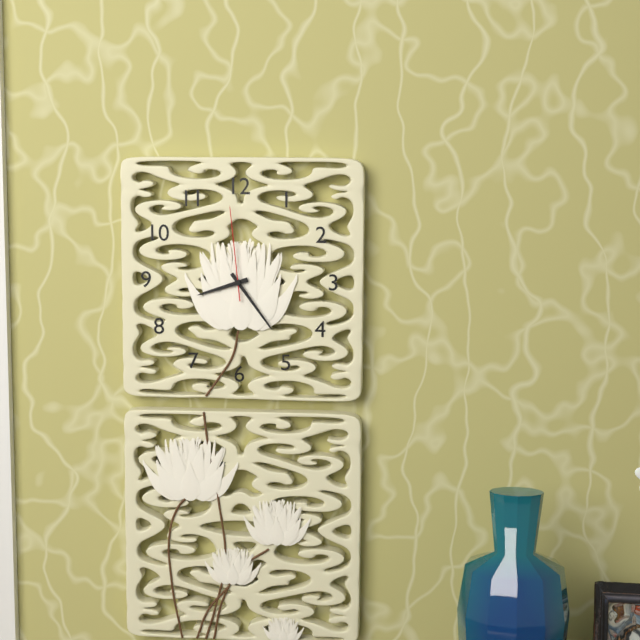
8 h 24 min 59 s
